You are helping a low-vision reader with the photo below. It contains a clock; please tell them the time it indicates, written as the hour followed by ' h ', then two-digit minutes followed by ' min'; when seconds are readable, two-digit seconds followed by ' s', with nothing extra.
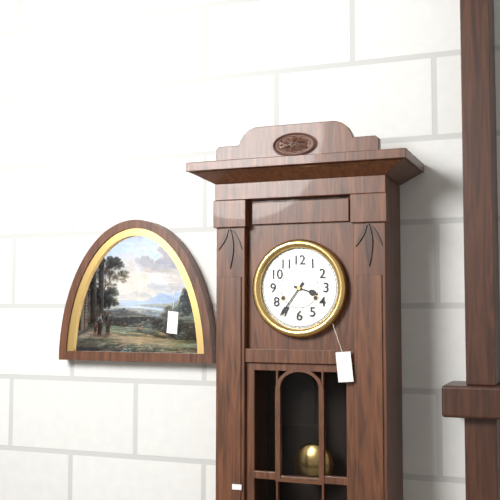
3 h 36 min
